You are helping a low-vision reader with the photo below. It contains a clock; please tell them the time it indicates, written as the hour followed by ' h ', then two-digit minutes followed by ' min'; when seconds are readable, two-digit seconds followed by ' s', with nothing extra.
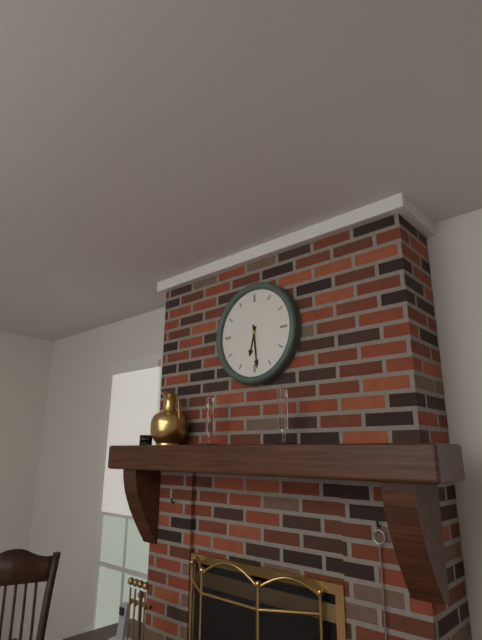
6 h 29 min
